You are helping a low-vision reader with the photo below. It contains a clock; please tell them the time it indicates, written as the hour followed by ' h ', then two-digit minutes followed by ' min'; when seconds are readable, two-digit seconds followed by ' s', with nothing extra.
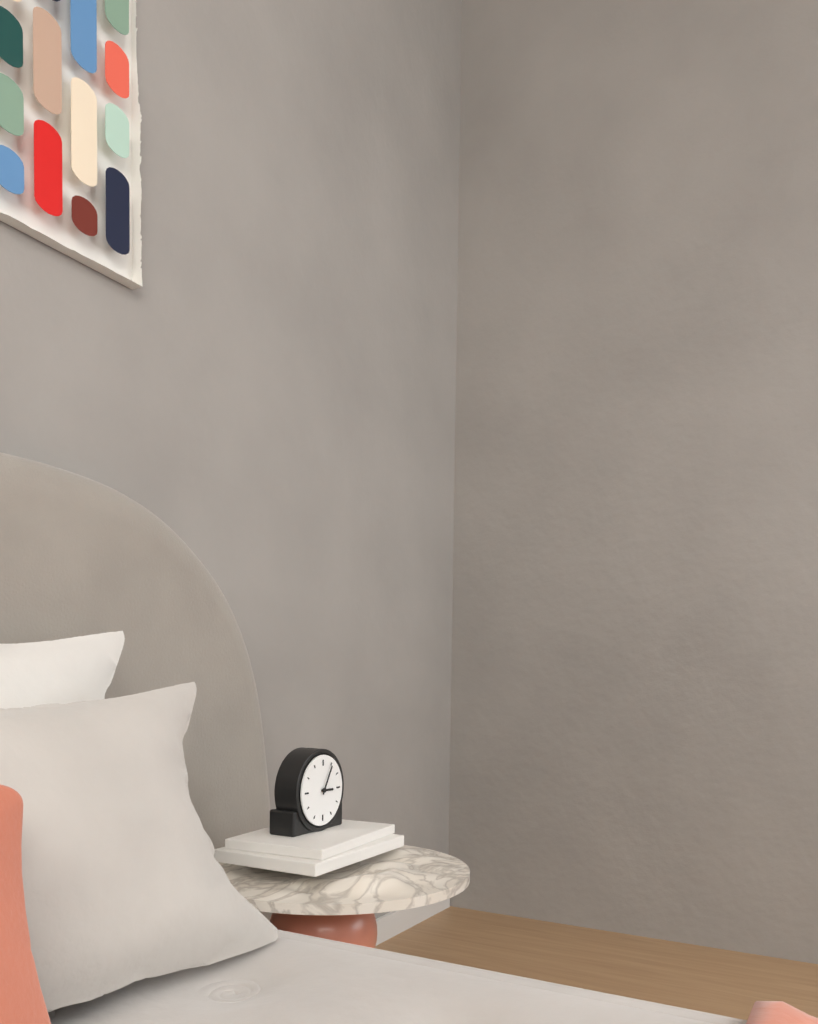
3 h 05 min
